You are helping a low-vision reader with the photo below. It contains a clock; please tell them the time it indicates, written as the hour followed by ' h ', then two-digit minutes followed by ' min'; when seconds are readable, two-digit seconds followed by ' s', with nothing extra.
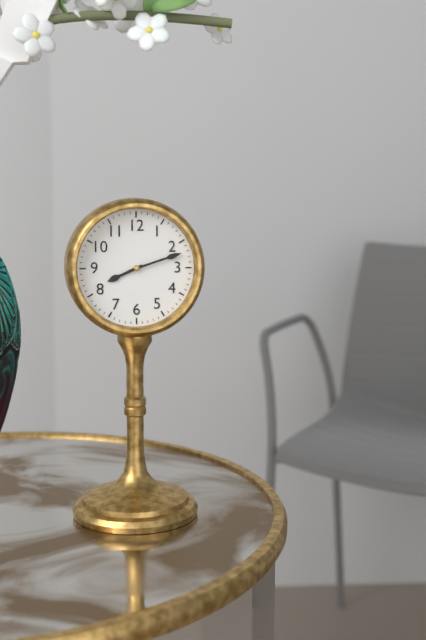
8 h 12 min
